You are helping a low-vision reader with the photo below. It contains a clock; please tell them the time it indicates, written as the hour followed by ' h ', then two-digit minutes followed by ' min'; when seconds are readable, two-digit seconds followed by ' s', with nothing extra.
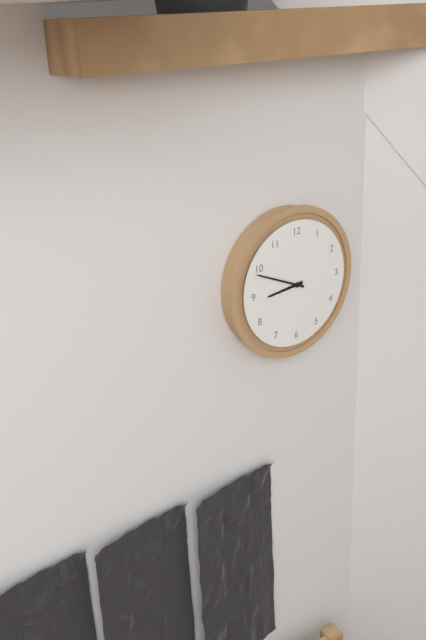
8 h 49 min
